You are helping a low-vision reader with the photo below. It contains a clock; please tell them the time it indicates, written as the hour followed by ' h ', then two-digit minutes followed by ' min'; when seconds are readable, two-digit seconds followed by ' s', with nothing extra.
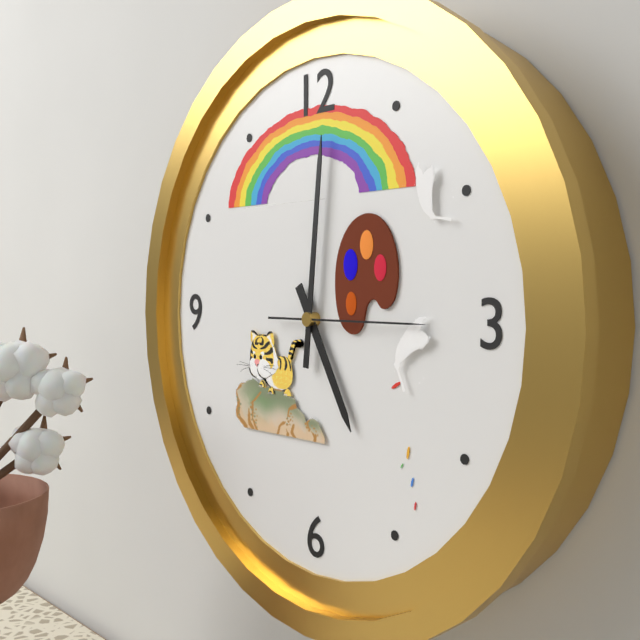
5 h 01 min 15 s
